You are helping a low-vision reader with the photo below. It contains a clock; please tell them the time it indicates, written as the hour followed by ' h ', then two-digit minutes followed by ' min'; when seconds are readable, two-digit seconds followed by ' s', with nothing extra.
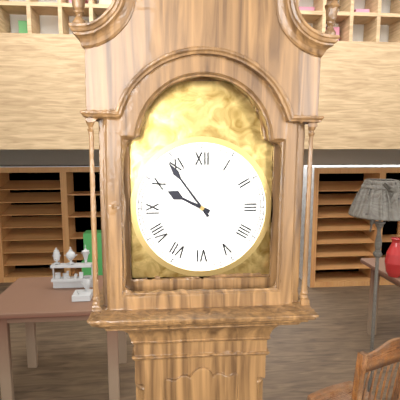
9 h 54 min
